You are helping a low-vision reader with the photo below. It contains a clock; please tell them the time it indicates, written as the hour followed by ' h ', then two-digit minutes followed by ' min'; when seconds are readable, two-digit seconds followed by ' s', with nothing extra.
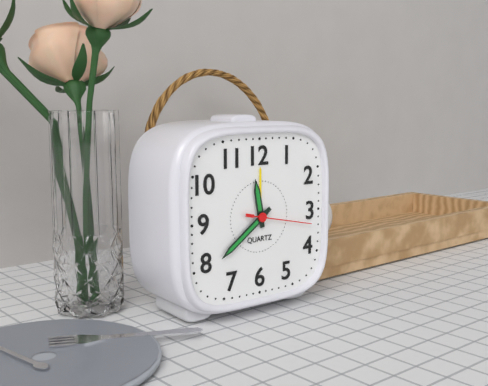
11 h 39 min 17 s
